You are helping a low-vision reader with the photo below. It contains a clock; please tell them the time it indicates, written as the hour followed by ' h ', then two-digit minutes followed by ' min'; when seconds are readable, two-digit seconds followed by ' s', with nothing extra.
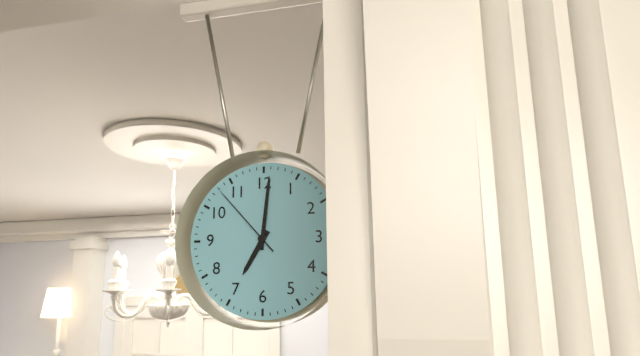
7 h 01 min 53 s
